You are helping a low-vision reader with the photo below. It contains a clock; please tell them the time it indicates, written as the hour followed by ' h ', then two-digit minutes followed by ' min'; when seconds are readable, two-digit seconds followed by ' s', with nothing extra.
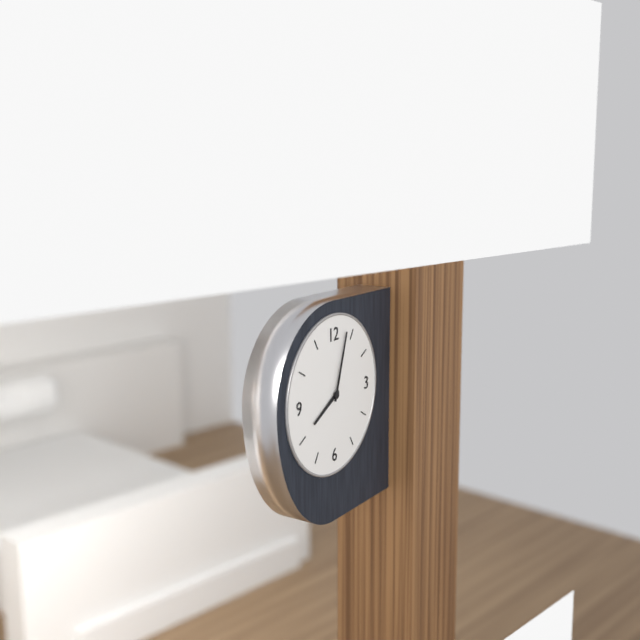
8 h 03 min
